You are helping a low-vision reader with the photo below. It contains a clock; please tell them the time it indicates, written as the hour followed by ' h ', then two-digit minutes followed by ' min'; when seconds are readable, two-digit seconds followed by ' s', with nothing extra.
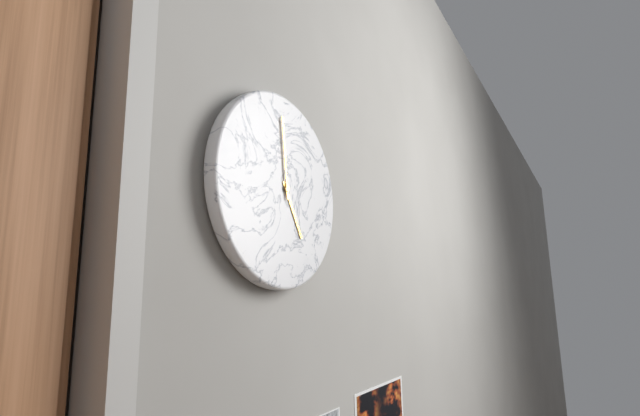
4 h 59 min
